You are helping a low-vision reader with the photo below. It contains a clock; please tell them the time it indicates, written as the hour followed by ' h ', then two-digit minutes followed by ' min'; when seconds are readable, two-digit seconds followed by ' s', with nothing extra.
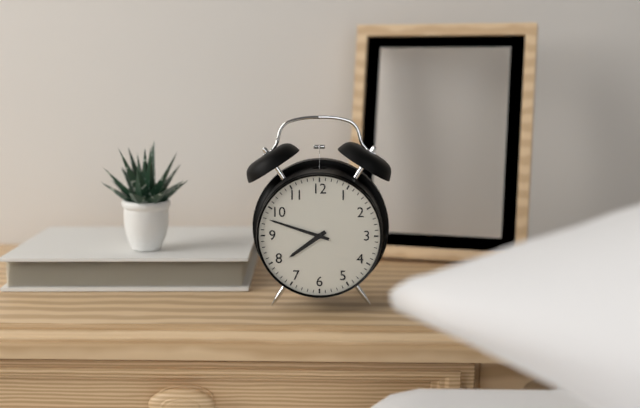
7 h 48 min
